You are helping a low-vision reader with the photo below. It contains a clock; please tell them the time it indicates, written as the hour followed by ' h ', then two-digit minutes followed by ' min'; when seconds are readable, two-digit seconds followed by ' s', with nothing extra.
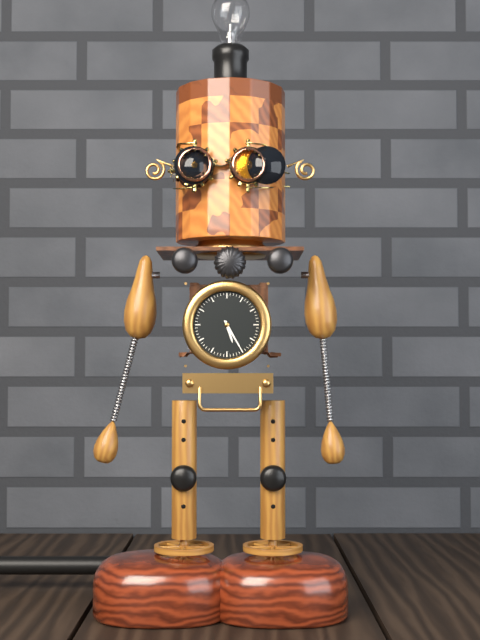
5 h 25 min
